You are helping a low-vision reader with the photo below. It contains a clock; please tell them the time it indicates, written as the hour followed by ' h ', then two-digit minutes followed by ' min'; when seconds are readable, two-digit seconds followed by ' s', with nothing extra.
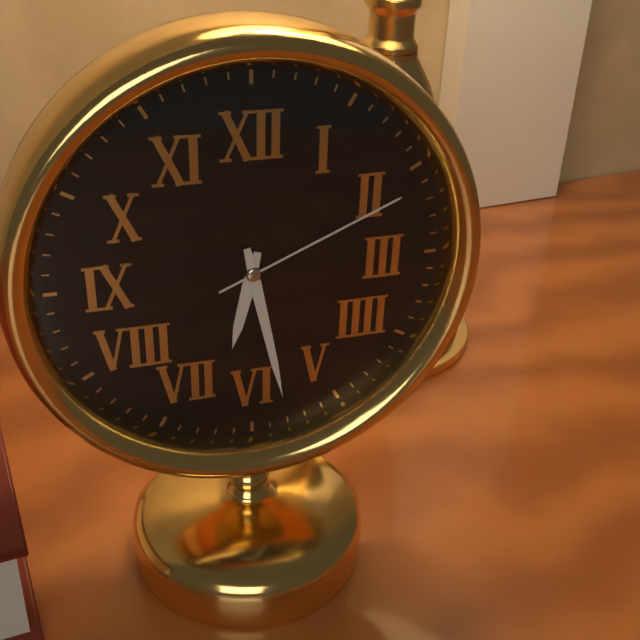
6 h 28 min 11 s
